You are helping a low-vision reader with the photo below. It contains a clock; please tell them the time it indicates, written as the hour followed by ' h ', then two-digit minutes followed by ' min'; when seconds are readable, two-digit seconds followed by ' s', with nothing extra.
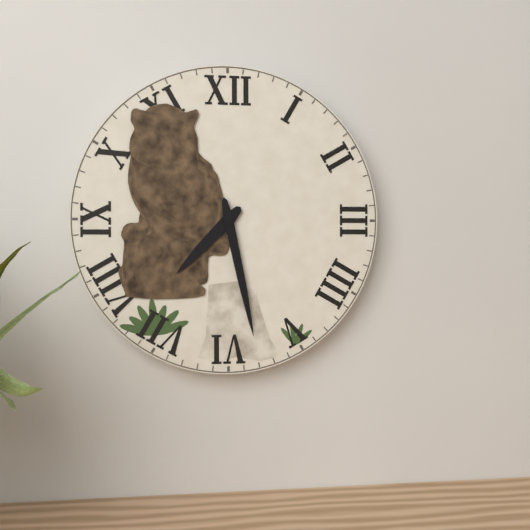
7 h 28 min
